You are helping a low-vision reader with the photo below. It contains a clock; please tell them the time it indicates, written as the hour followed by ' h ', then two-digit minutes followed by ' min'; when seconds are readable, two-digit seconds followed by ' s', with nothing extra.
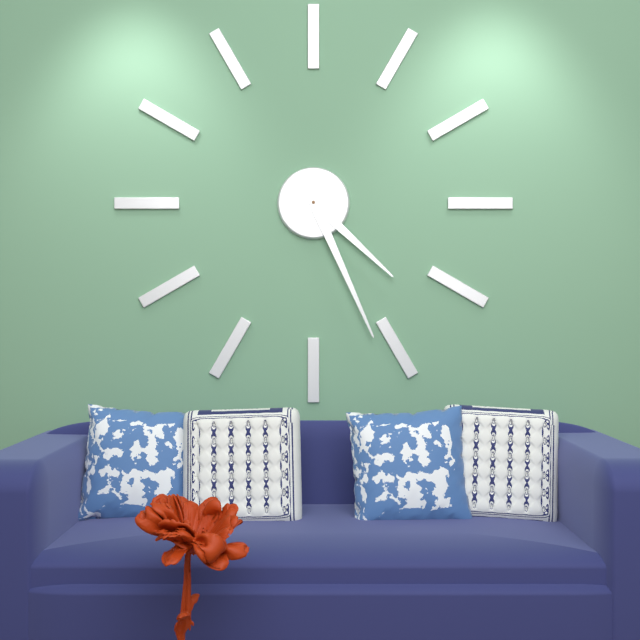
4 h 26 min
